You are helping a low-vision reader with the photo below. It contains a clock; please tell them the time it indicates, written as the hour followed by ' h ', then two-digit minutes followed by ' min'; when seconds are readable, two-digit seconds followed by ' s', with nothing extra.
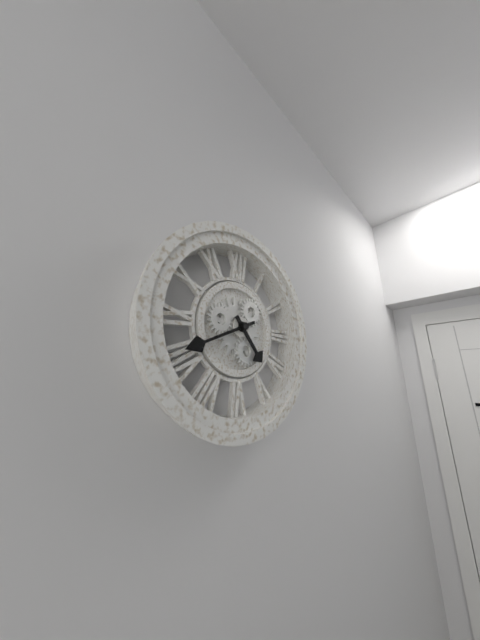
4 h 41 min
